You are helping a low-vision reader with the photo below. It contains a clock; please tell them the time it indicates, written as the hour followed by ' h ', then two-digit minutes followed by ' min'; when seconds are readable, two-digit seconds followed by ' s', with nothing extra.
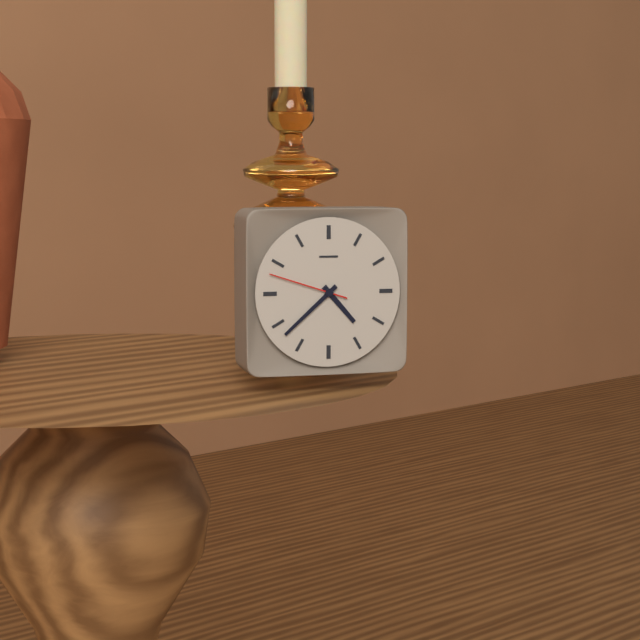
4 h 38 min 48 s
